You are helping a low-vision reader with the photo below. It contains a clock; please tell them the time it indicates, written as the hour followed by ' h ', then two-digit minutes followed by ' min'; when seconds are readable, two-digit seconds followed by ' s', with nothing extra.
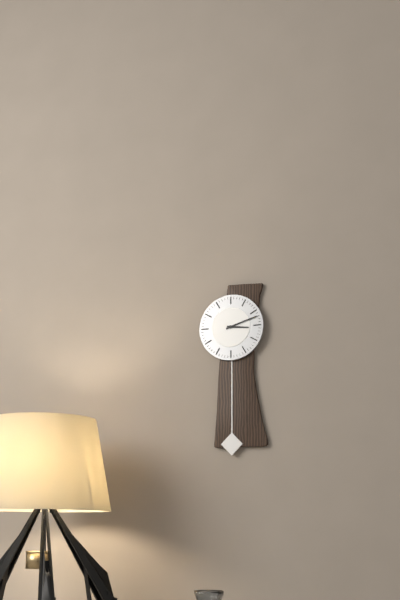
3 h 12 min
